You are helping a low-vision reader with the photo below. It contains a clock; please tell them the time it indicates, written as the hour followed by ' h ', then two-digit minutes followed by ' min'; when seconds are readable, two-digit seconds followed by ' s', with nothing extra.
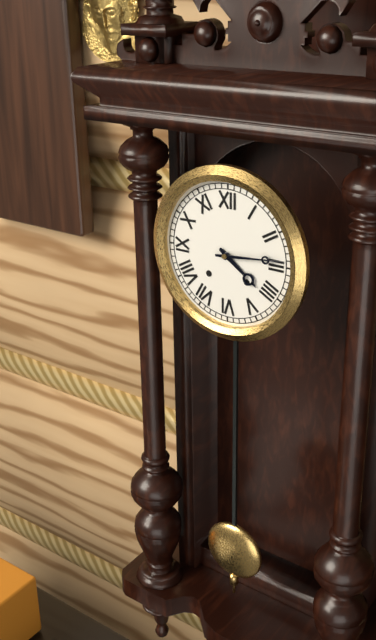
4 h 14 min
